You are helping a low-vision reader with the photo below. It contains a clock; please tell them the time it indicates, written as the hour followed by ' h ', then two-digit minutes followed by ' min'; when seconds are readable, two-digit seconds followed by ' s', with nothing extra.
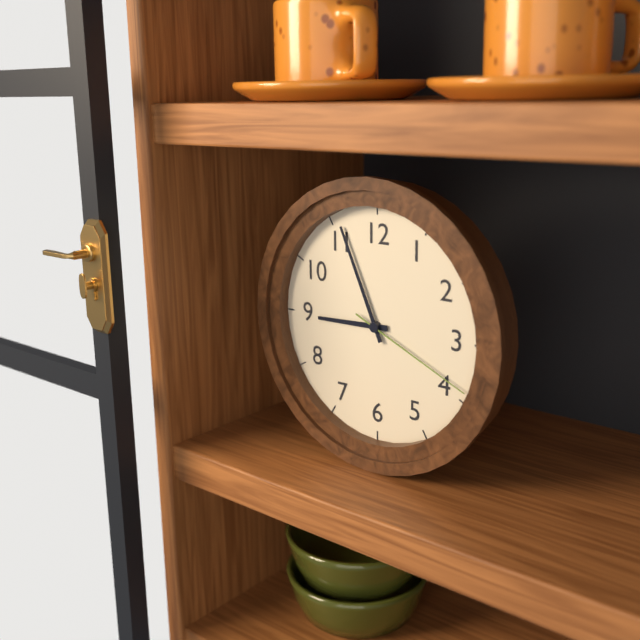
8 h 56 min 19 s
